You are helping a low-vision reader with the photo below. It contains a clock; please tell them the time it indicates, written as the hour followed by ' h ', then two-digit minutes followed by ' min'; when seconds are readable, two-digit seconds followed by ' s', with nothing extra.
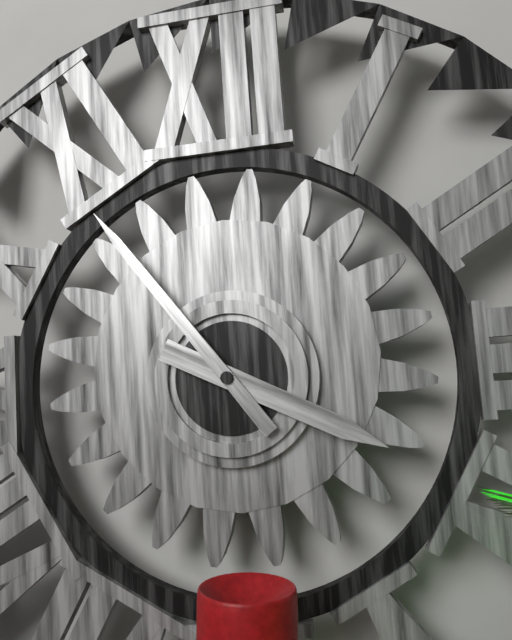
3 h 54 min
